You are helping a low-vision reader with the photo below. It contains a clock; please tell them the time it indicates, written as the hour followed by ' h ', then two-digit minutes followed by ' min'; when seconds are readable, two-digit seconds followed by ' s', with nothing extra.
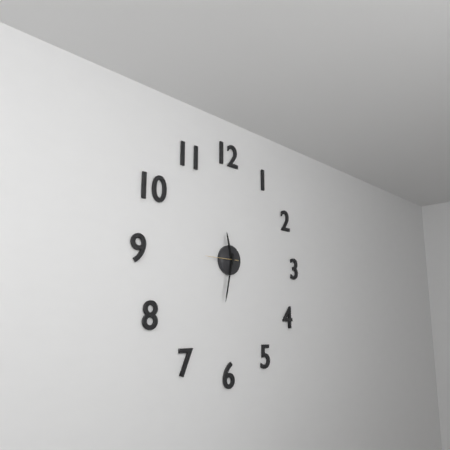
11 h 32 min
